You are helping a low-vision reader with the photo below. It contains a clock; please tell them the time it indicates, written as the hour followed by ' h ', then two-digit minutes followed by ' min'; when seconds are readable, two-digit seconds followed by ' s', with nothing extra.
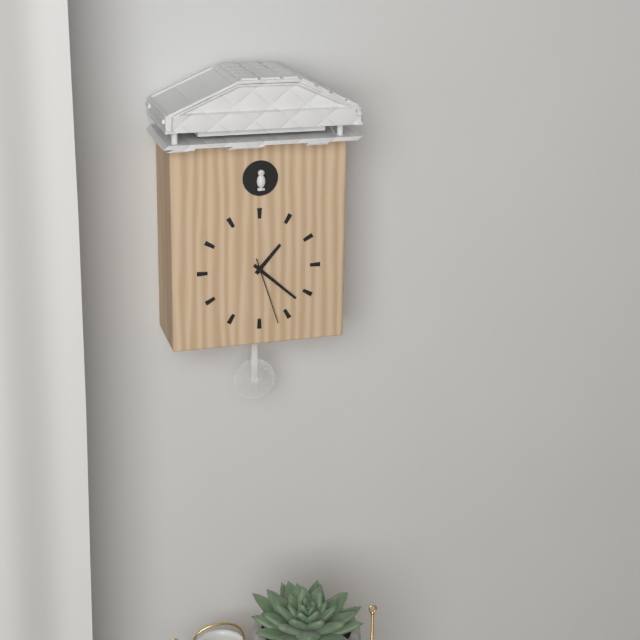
1 h 22 min 27 s
